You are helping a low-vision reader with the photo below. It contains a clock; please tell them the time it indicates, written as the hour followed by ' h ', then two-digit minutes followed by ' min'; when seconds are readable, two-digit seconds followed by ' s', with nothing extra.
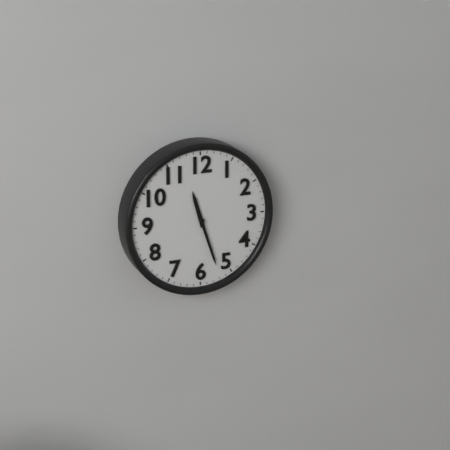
11 h 27 min
